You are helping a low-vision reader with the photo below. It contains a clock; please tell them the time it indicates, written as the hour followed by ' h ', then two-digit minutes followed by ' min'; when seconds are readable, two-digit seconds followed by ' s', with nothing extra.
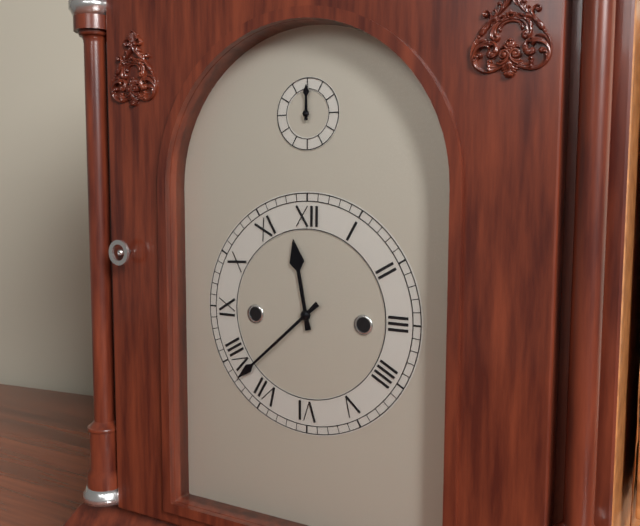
11 h 38 min
